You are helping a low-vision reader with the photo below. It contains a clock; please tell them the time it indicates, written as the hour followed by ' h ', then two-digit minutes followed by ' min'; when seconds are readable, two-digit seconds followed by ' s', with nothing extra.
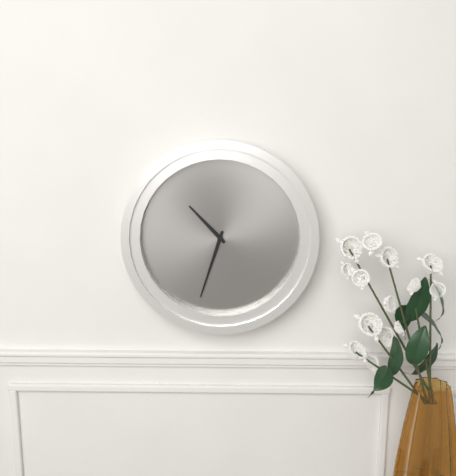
10 h 33 min
